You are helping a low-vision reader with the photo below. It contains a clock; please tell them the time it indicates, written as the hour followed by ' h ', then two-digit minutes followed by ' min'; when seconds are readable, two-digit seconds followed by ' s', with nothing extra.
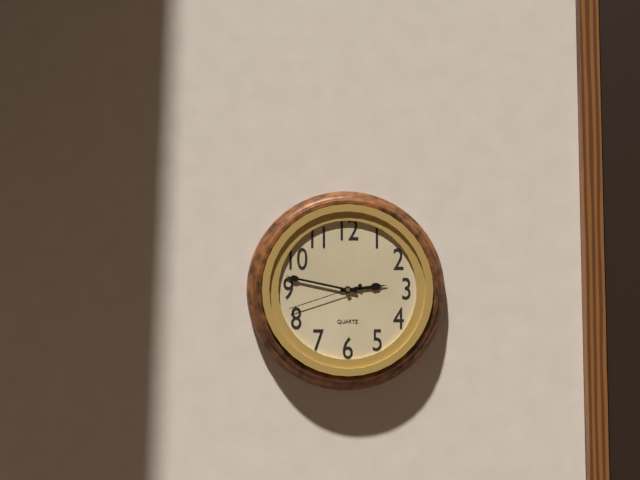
2 h 47 min 42 s
